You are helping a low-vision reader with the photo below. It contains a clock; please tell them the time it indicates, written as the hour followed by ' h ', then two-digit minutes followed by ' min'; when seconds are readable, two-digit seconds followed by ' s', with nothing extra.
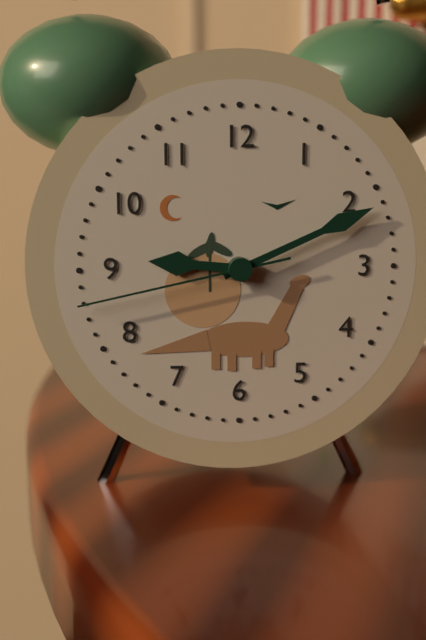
9 h 11 min 43 s
